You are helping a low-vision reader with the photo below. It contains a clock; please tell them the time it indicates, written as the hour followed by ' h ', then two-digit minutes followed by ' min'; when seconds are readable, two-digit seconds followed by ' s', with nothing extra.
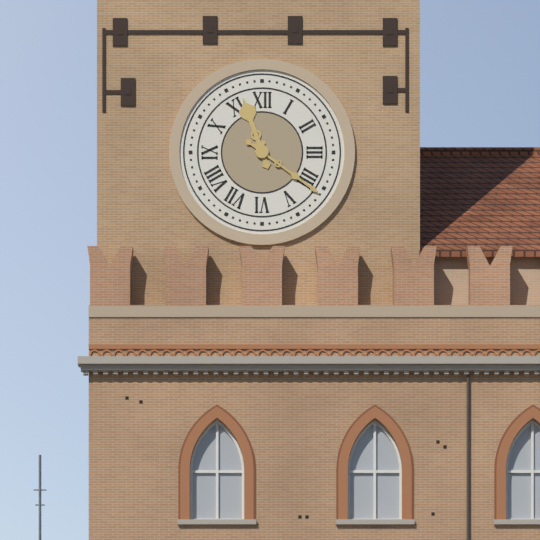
11 h 21 min
